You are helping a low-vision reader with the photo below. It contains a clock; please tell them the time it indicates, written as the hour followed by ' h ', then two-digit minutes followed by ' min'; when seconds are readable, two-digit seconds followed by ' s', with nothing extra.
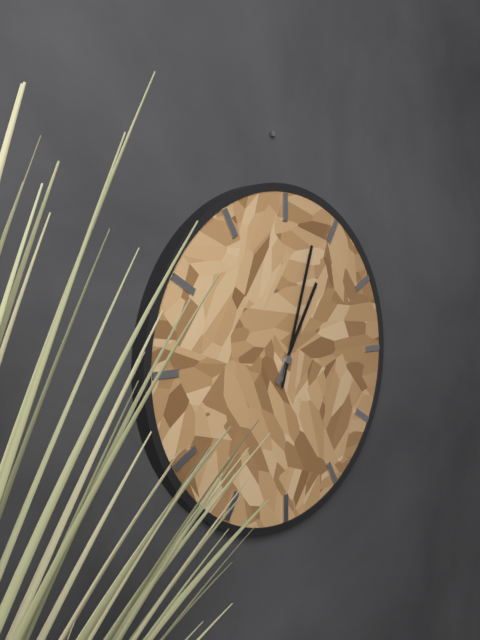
1 h 03 min
